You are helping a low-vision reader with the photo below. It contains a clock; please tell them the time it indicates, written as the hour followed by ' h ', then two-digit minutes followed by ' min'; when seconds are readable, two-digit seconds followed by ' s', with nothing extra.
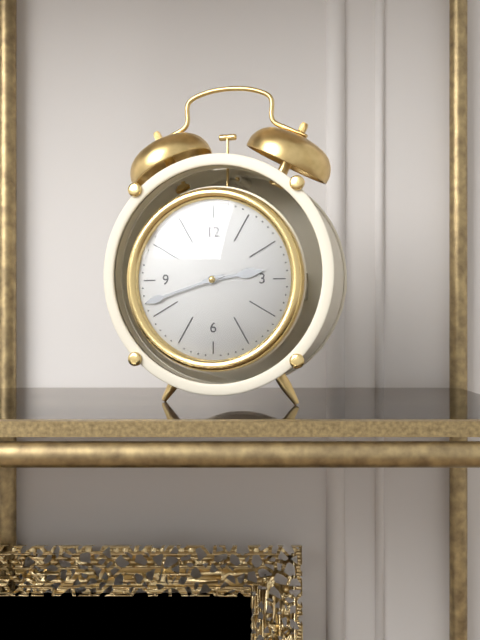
2 h 42 min
